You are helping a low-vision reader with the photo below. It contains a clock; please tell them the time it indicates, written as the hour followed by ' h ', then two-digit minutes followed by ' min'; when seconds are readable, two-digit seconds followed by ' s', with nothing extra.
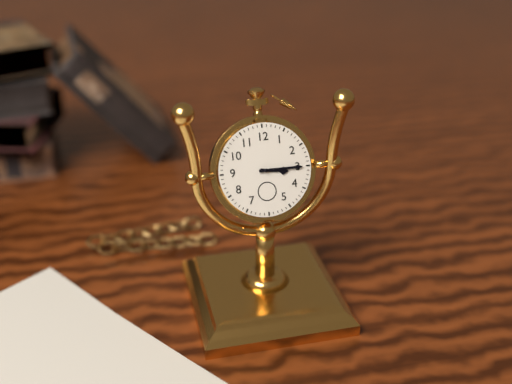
3 h 15 min
